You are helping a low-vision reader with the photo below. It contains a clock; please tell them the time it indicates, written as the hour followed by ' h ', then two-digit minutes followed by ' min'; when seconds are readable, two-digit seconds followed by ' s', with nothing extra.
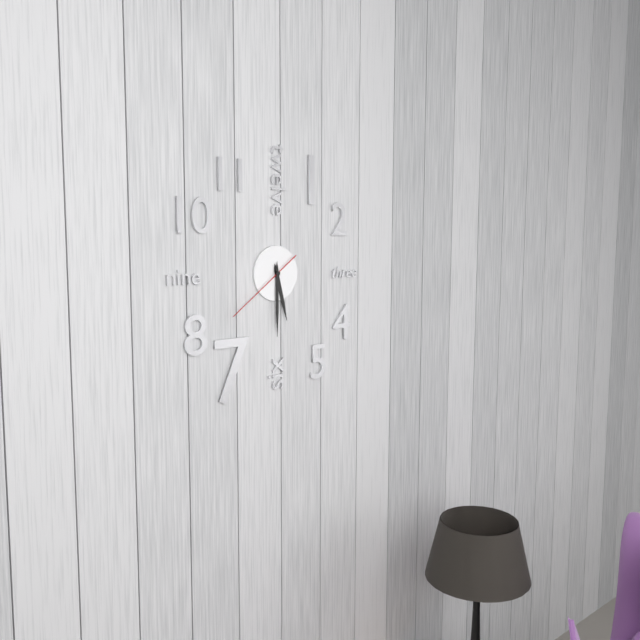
5 h 30 min 39 s
